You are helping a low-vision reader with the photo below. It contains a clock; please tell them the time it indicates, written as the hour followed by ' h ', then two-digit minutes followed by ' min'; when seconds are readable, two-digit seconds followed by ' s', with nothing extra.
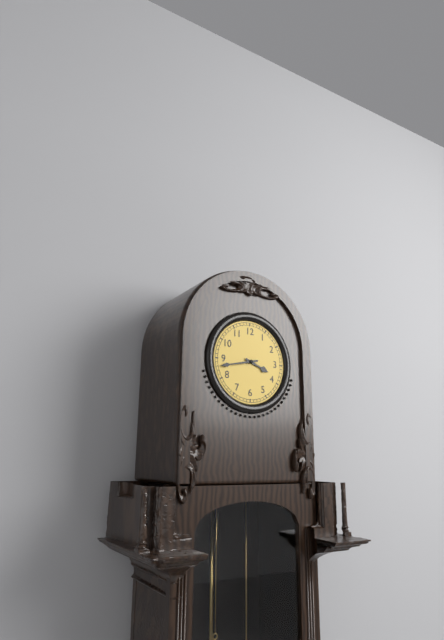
3 h 43 min
